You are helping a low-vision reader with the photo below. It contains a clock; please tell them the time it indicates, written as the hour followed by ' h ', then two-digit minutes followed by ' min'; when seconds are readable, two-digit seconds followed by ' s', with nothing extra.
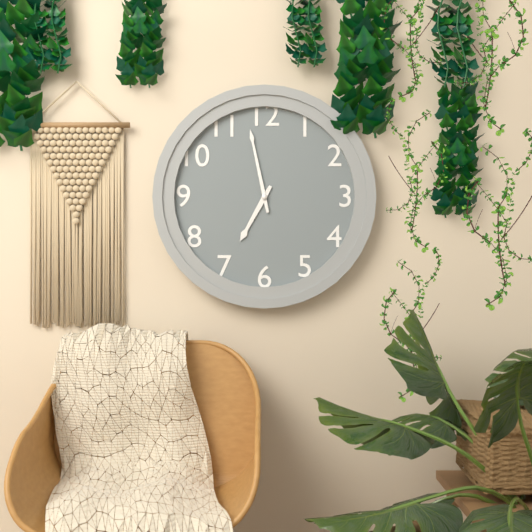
6 h 58 min
